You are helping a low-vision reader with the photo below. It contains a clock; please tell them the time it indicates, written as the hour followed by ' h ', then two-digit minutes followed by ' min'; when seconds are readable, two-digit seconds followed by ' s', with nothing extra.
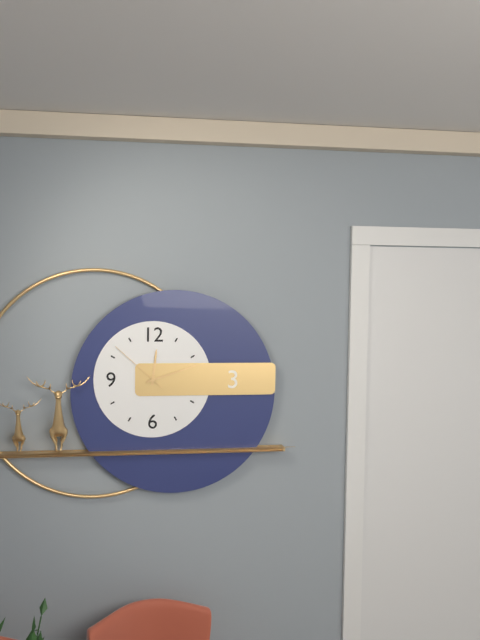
12 h 12 min 52 s
